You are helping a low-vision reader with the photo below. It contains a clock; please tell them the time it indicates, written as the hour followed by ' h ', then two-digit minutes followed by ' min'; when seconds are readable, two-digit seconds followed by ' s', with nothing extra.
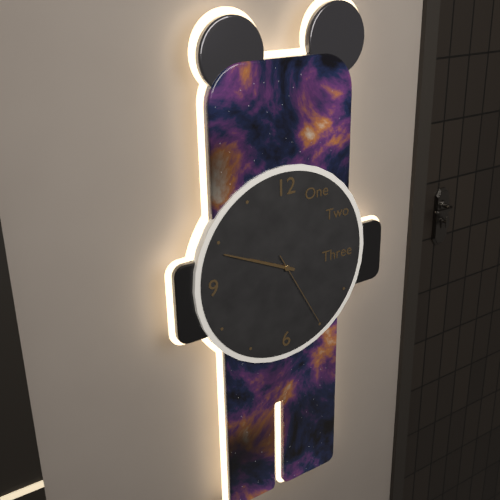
9 h 49 min 25 s
